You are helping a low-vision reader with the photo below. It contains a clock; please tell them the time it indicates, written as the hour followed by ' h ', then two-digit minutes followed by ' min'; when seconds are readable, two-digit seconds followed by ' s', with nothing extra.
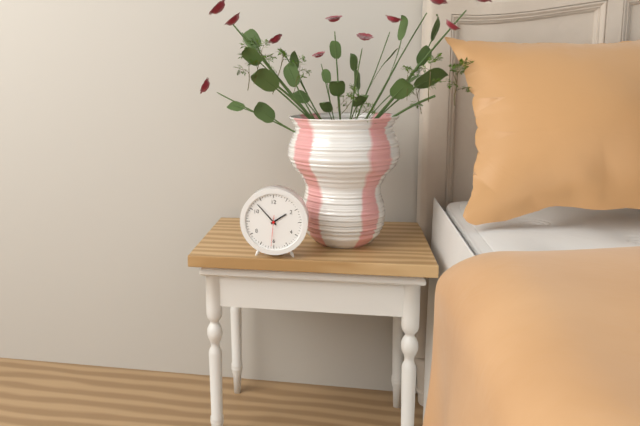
1 h 53 min
